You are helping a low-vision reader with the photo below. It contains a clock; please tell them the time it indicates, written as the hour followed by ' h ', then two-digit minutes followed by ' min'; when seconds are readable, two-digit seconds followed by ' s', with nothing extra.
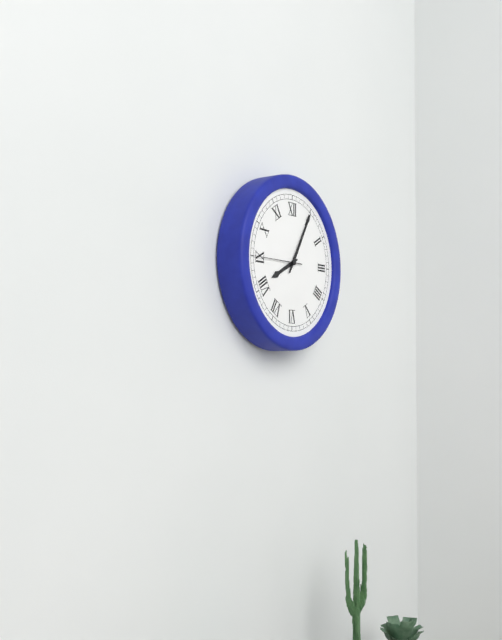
8 h 05 min
